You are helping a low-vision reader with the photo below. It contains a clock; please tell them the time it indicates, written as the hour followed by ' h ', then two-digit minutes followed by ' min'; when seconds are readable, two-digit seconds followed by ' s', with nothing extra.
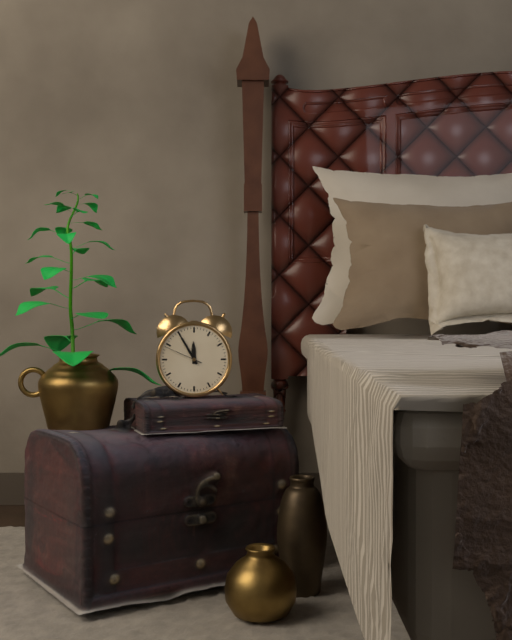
11 h 55 min
